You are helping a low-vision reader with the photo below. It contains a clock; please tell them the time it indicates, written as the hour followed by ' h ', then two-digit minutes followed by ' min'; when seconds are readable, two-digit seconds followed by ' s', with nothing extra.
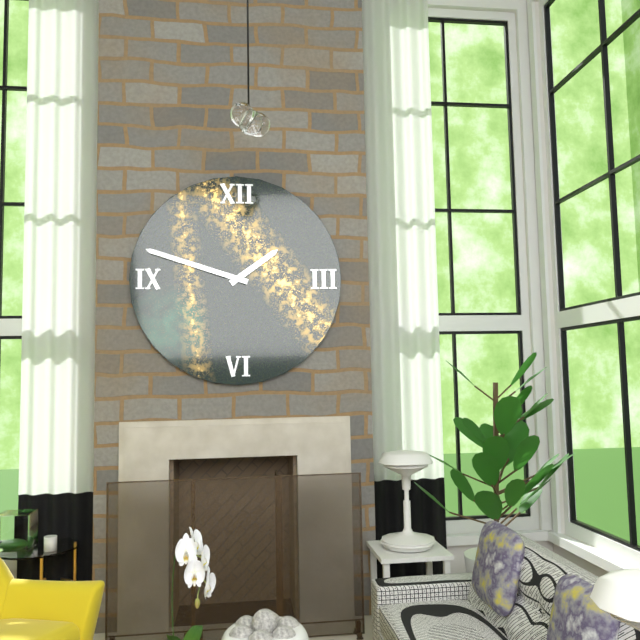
1 h 48 min
